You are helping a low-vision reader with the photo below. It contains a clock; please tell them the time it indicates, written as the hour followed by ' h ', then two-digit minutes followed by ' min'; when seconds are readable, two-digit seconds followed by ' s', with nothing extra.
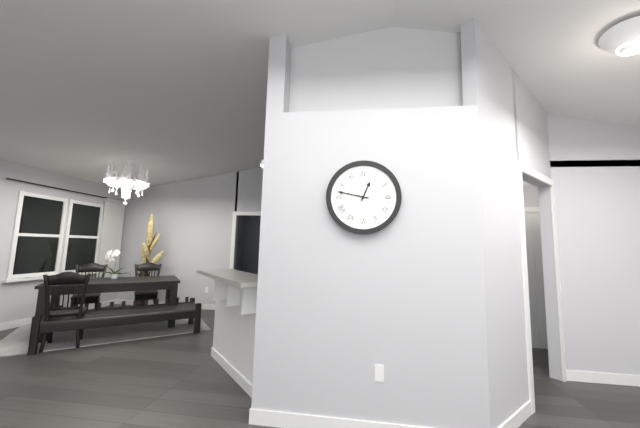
12 h 47 min
